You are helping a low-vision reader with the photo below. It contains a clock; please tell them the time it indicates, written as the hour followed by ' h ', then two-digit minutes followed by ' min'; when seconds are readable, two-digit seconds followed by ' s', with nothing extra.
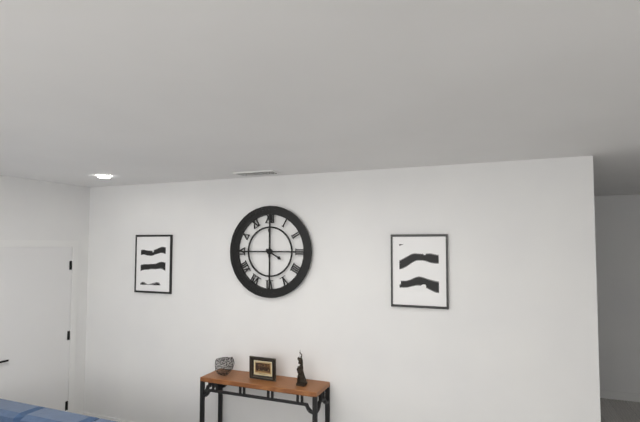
4 h 00 min
